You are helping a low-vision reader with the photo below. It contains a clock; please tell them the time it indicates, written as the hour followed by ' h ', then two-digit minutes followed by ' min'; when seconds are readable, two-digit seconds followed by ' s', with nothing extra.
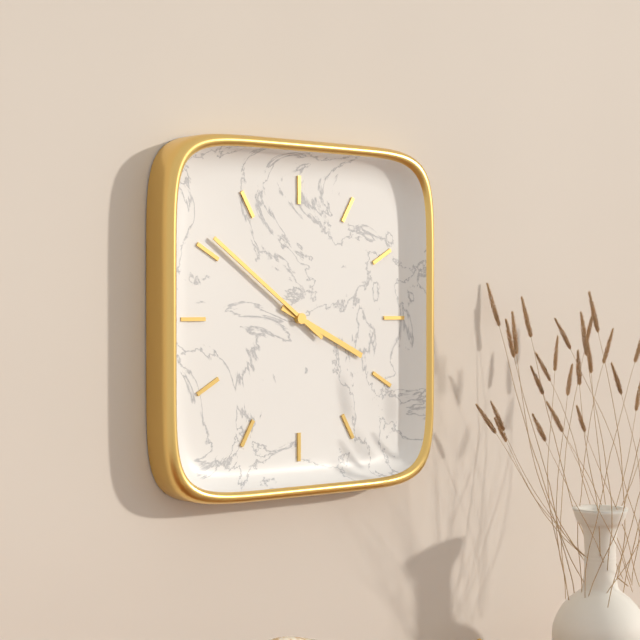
3 h 51 min
